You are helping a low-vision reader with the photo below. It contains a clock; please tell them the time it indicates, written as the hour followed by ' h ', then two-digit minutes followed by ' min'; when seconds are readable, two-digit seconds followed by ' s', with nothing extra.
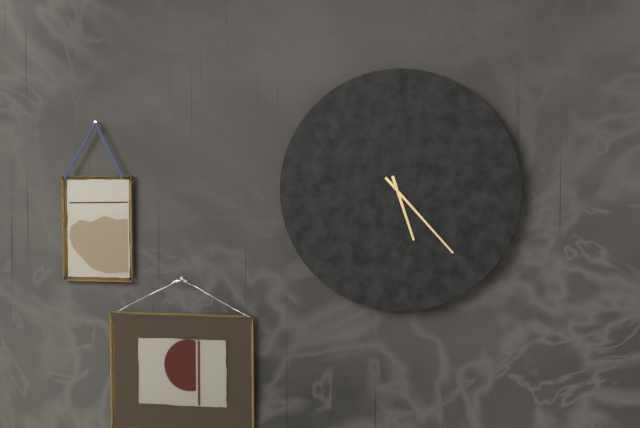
5 h 23 min
